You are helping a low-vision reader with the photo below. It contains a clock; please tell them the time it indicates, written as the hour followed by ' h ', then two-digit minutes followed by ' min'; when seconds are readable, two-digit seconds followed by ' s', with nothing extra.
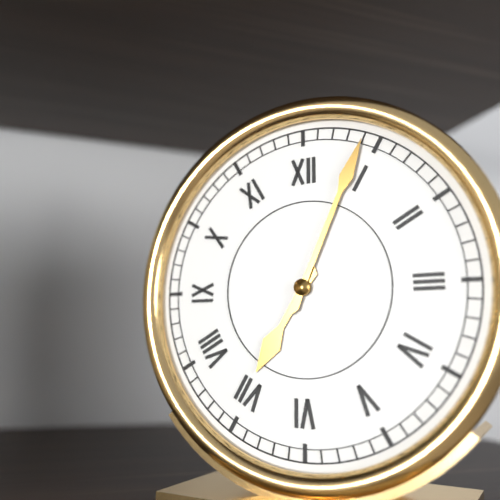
7 h 04 min
